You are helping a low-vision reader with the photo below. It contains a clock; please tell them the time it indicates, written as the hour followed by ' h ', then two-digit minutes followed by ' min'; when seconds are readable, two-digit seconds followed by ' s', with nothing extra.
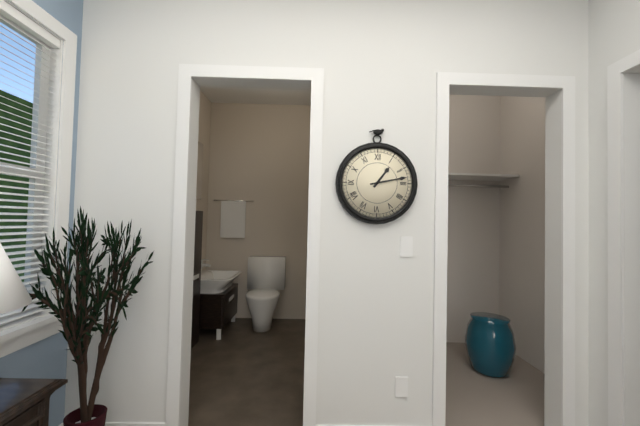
1 h 13 min
